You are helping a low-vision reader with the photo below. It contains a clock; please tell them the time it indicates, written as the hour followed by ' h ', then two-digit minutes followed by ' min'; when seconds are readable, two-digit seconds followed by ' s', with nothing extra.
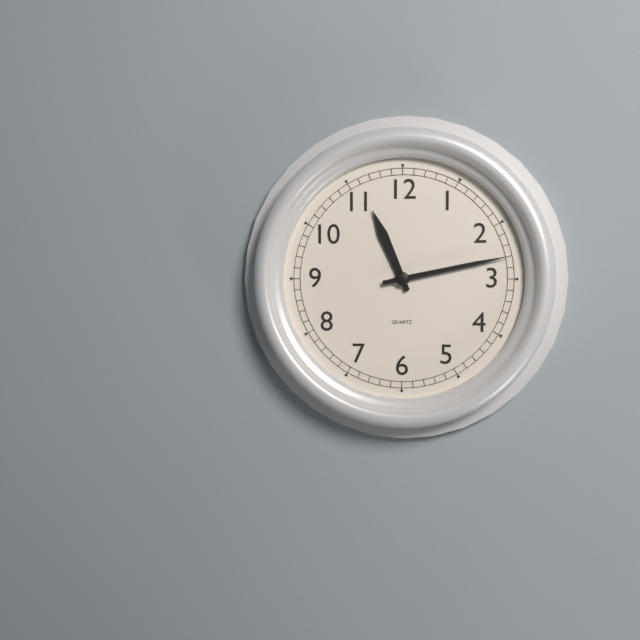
11 h 13 min
